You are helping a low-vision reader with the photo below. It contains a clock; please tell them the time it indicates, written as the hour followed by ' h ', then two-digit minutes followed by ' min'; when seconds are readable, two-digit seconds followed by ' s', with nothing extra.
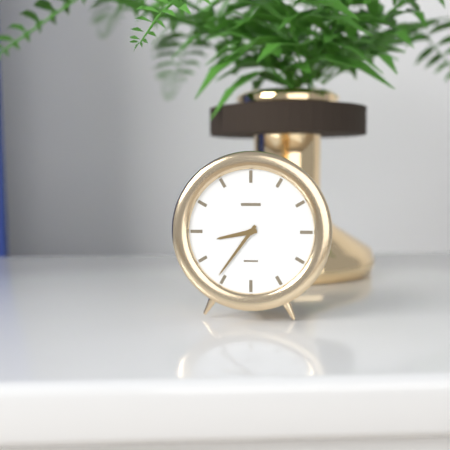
8 h 36 min
